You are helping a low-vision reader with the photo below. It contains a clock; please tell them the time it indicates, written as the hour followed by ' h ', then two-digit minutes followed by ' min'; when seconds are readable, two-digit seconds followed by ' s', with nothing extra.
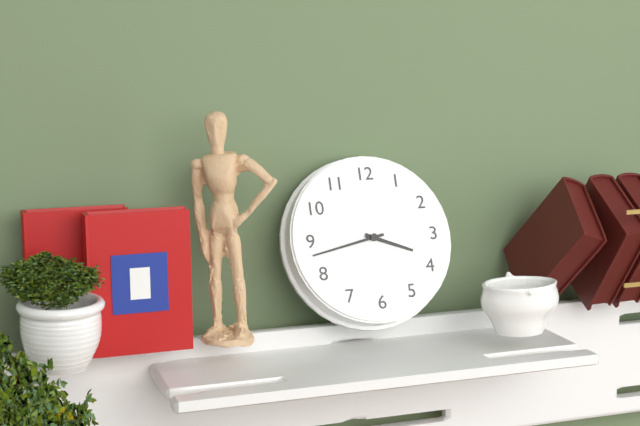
3 h 43 min
